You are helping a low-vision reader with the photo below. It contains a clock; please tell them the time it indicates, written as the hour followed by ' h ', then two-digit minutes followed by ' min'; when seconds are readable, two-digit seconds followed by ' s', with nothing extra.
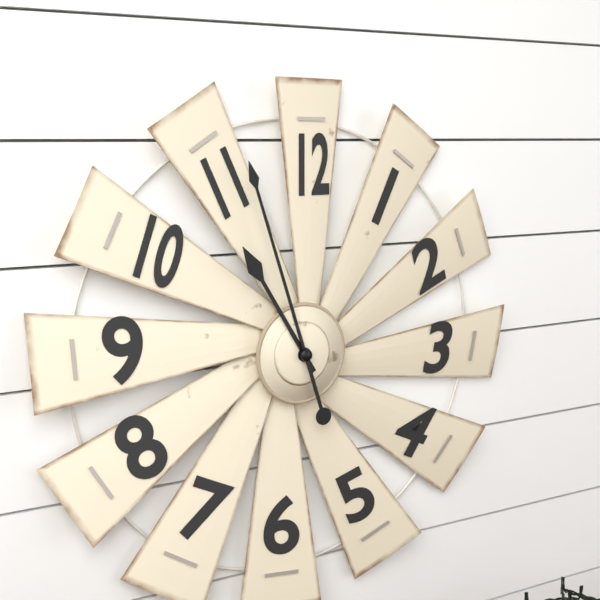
10 h 57 min
